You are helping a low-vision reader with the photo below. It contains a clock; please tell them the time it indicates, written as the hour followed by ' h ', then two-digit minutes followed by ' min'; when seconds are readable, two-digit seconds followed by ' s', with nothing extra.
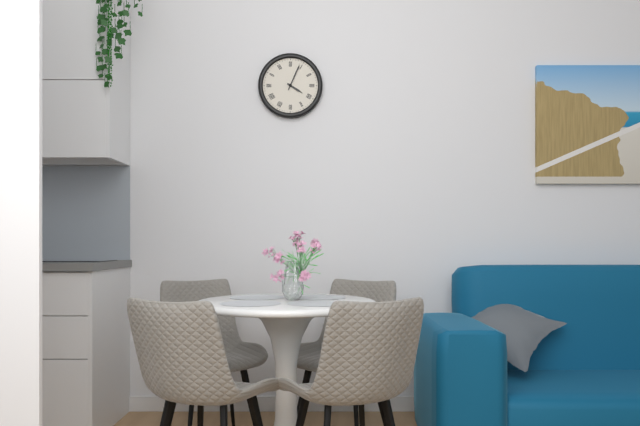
4 h 04 min
